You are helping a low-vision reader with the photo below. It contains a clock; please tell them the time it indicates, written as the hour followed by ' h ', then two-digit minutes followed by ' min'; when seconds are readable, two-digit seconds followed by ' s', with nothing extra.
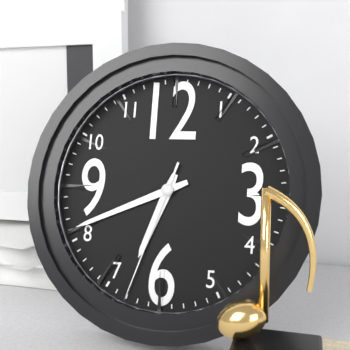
6 h 41 min 33 s
